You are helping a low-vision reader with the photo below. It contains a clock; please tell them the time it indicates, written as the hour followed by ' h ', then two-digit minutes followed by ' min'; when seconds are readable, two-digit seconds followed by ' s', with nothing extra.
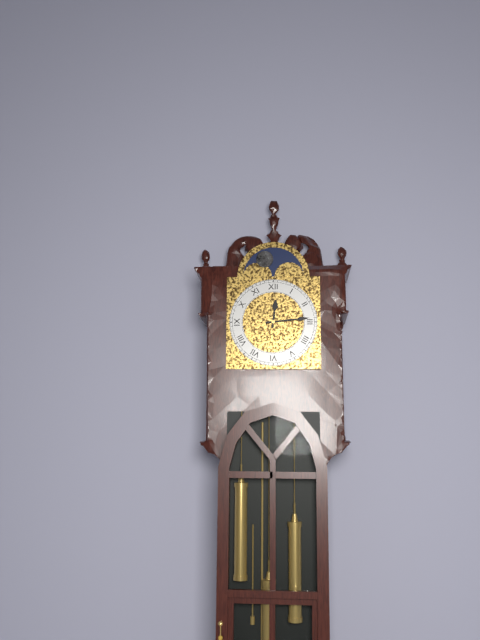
12 h 14 min
